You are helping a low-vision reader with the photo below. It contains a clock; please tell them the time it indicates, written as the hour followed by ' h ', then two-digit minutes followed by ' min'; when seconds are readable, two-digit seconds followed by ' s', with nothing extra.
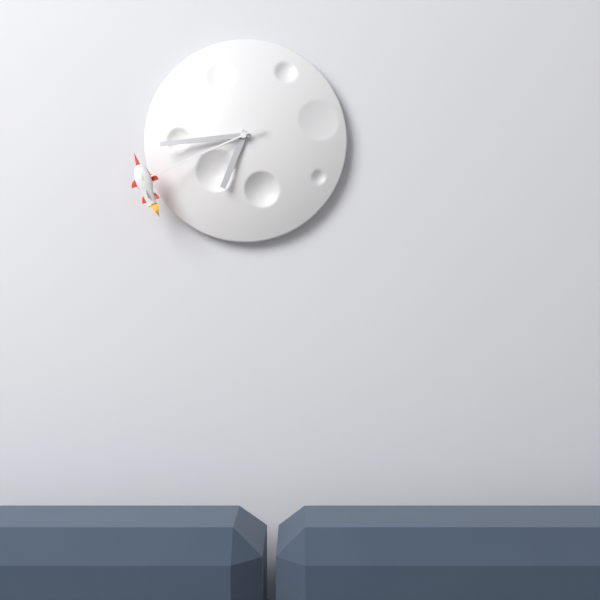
6 h 44 min 41 s
